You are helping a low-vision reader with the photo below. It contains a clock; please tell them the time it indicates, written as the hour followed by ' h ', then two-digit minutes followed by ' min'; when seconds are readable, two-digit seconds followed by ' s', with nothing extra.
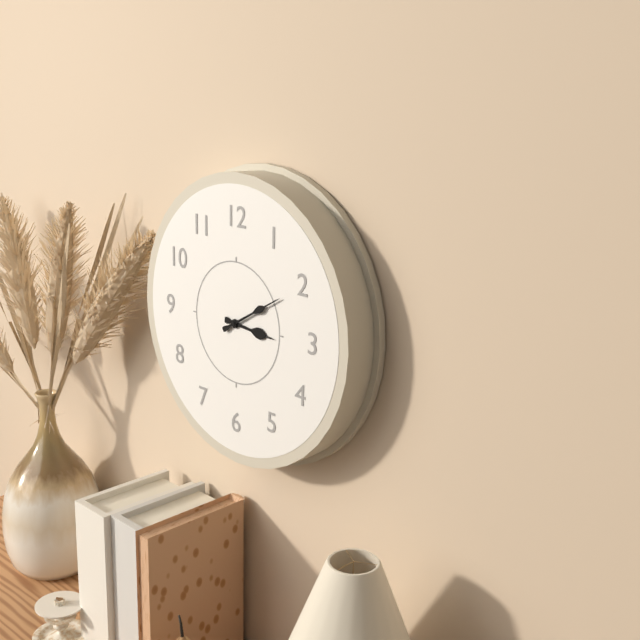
3 h 10 min
